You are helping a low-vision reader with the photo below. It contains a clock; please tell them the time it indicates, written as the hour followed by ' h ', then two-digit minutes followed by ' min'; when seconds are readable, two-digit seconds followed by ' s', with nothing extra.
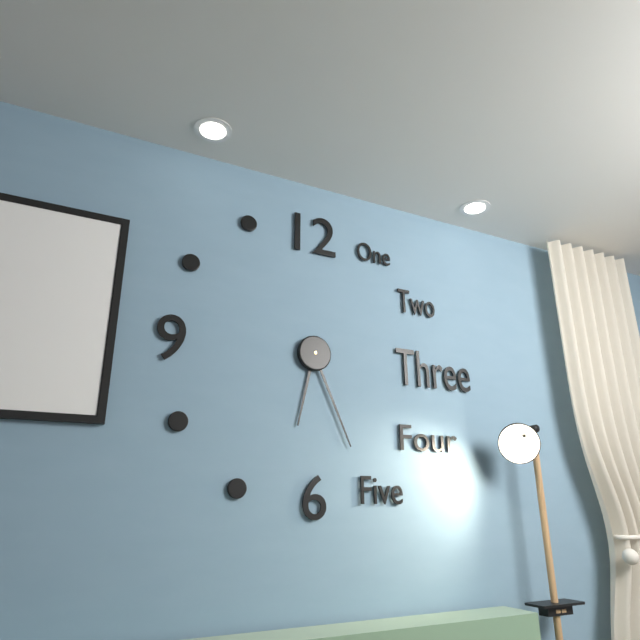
6 h 26 min
